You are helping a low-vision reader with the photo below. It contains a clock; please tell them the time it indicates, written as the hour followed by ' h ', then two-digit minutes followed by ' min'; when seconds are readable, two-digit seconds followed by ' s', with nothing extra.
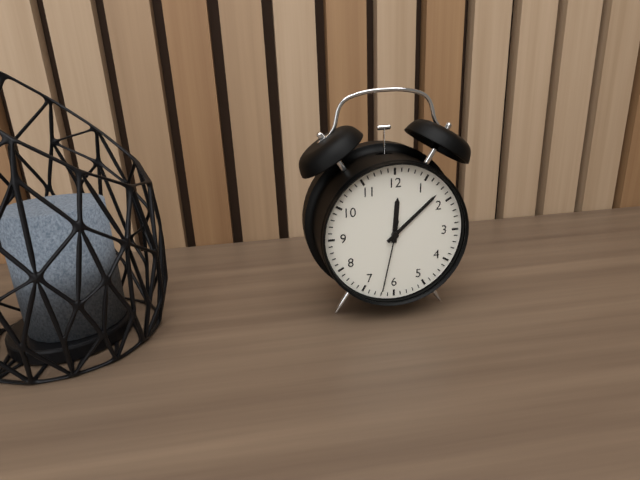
12 h 08 min 32 s
